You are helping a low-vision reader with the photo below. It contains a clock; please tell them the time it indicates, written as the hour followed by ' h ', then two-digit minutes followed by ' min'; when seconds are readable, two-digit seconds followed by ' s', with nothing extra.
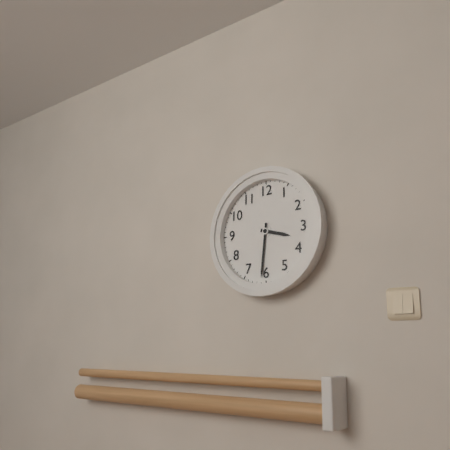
3 h 31 min
